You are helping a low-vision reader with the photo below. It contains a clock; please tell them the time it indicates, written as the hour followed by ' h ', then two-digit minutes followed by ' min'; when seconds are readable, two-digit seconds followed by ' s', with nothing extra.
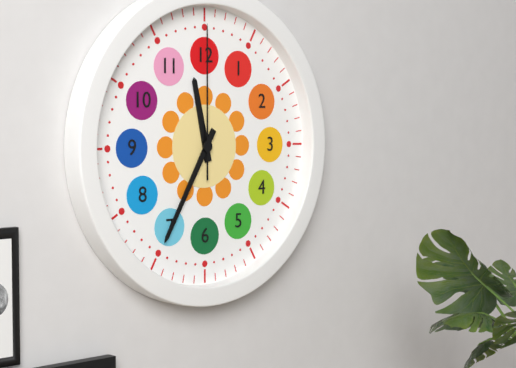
11 h 35 min 00 s
